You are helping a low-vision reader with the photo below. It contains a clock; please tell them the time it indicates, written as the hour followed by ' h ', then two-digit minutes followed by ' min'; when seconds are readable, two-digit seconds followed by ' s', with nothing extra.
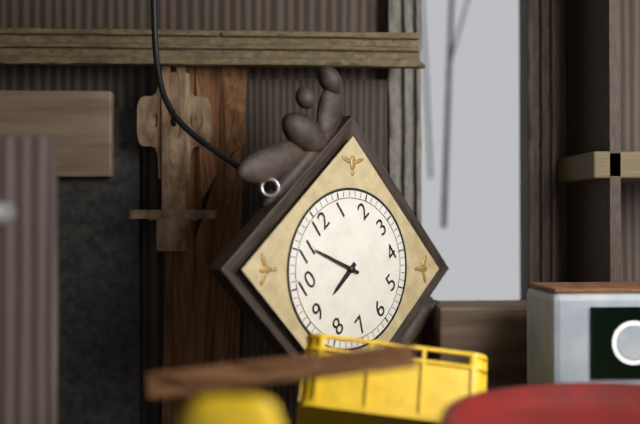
8 h 56 min
